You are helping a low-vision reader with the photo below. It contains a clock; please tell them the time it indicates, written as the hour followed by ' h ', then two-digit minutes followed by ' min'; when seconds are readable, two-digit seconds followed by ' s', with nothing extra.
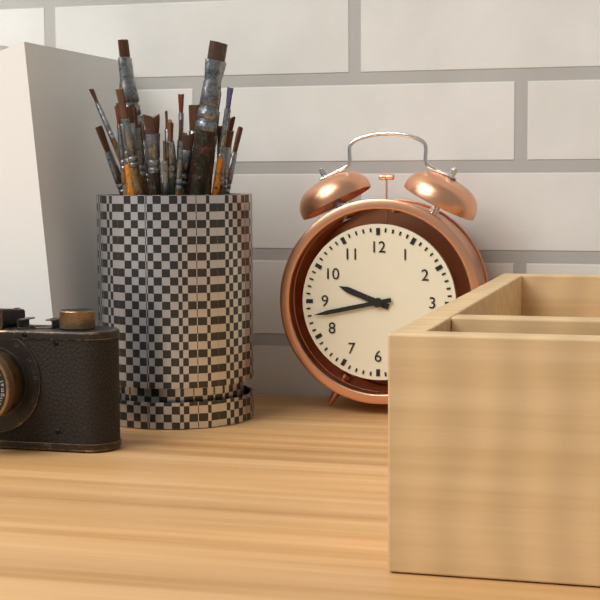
9 h 43 min
